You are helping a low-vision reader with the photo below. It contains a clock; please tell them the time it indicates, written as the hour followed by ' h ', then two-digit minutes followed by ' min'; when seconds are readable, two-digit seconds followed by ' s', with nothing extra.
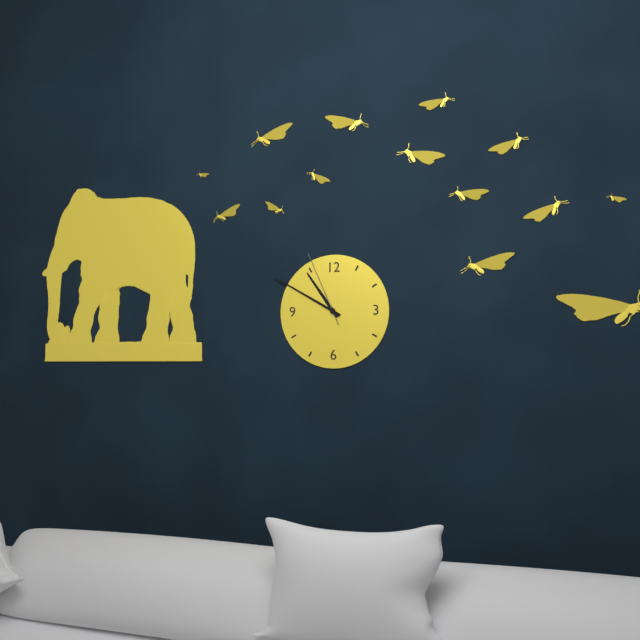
10 h 50 min 56 s
